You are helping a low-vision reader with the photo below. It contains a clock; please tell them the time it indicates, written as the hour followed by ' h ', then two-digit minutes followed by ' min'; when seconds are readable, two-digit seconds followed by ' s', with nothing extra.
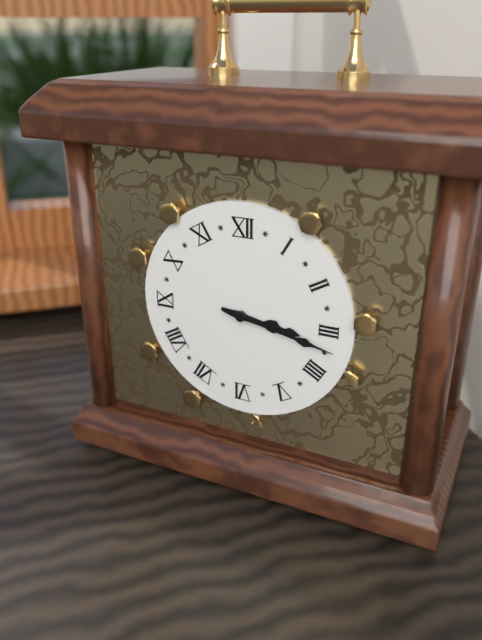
3 h 17 min
